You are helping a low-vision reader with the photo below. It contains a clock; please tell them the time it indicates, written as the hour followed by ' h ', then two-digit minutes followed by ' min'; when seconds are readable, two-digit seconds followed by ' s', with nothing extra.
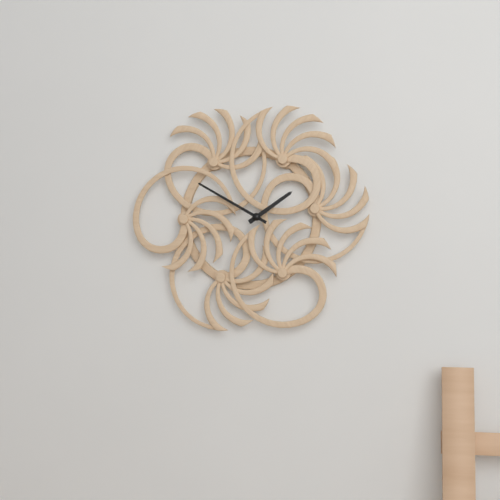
1 h 50 min
